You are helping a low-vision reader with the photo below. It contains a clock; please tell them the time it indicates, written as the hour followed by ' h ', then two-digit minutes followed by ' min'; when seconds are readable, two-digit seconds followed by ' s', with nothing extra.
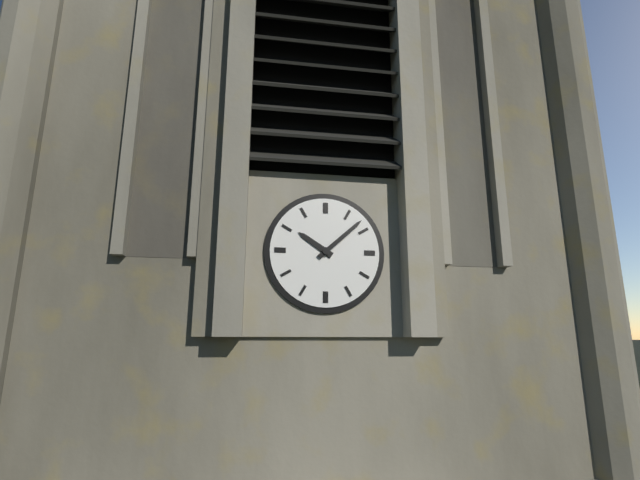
10 h 08 min
